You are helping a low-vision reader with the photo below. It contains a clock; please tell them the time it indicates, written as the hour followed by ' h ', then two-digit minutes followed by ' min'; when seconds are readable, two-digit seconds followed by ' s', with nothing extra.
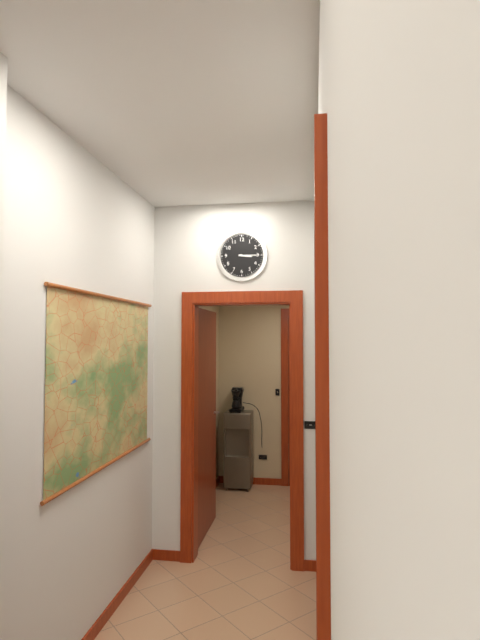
3 h 15 min
